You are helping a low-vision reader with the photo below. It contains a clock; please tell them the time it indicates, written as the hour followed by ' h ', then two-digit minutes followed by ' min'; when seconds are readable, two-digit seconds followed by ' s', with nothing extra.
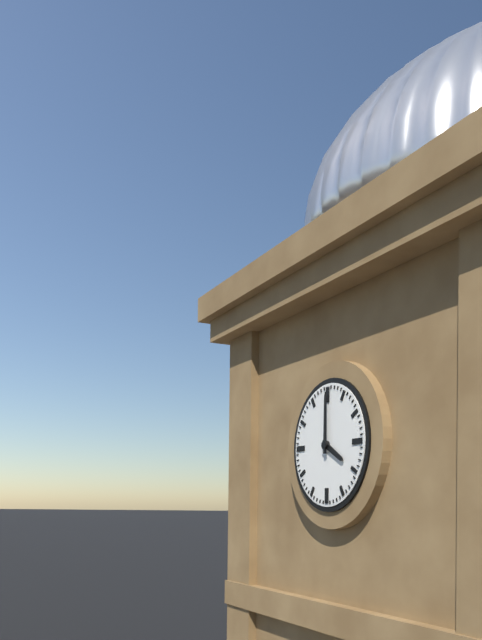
4 h 00 min
